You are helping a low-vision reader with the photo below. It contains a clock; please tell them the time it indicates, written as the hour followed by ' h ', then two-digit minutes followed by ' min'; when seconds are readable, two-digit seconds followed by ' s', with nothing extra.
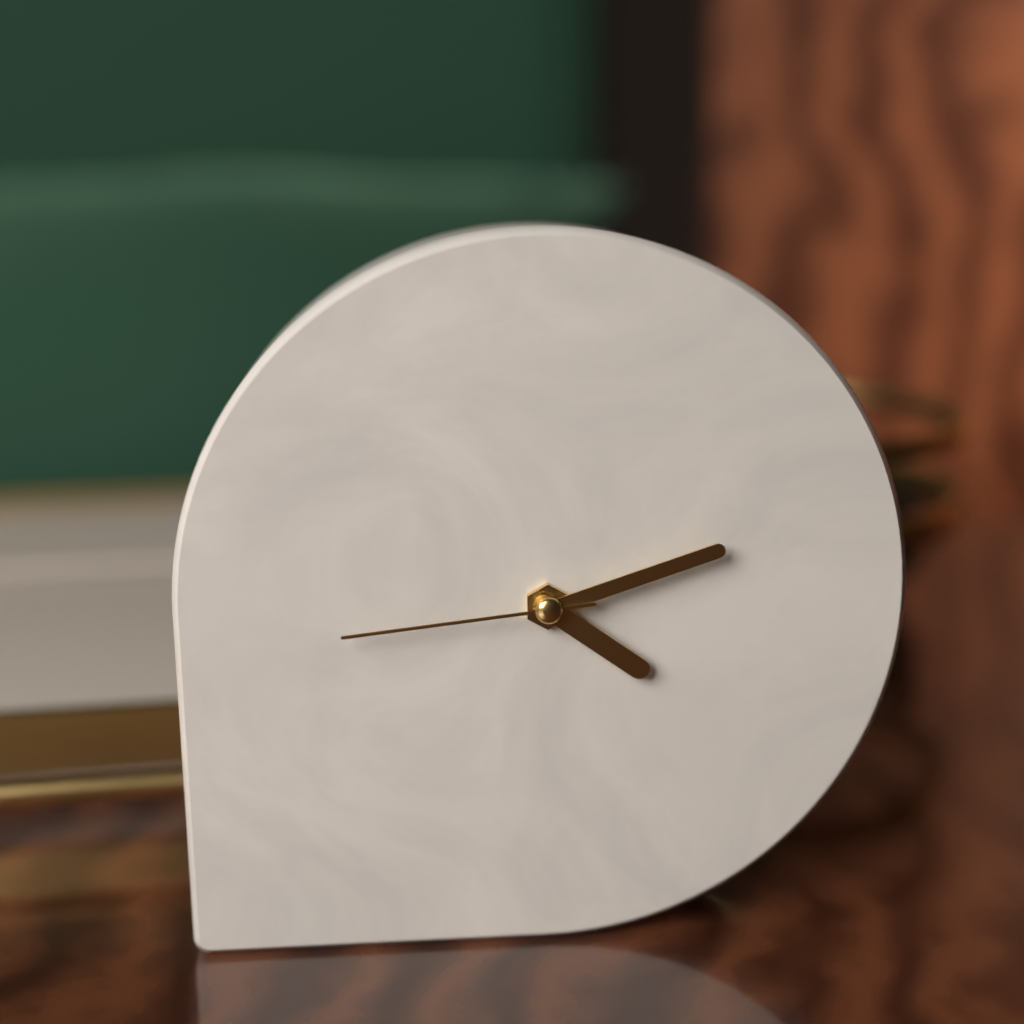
4 h 12 min 44 s
